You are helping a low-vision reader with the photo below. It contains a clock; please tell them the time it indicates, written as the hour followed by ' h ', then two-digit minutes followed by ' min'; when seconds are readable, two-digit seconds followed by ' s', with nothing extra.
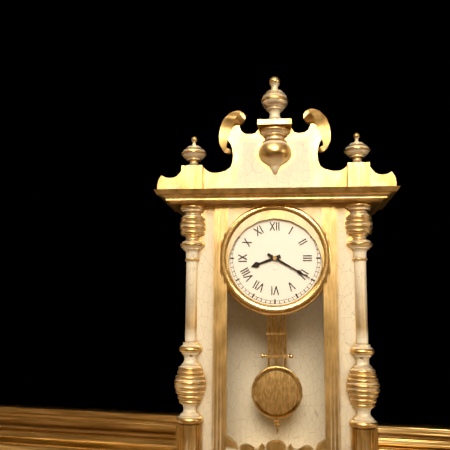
8 h 20 min
